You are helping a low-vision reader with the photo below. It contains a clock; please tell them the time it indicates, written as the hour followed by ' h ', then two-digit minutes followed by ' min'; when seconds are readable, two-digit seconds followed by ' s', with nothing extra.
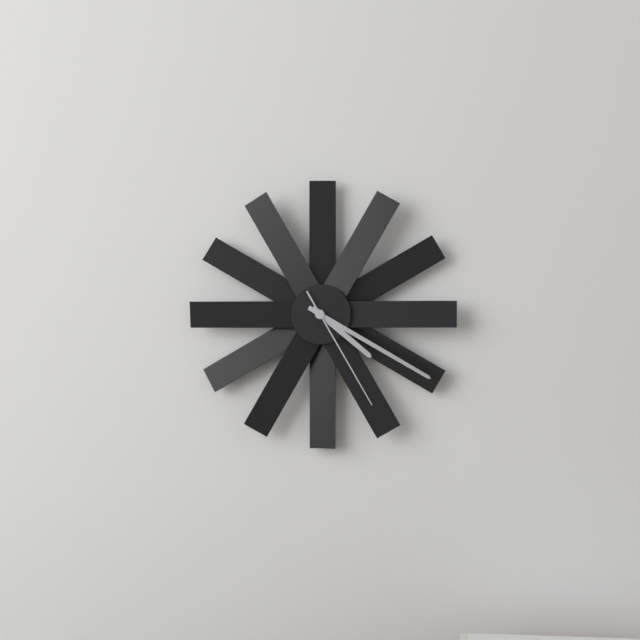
4 h 20 min 25 s
